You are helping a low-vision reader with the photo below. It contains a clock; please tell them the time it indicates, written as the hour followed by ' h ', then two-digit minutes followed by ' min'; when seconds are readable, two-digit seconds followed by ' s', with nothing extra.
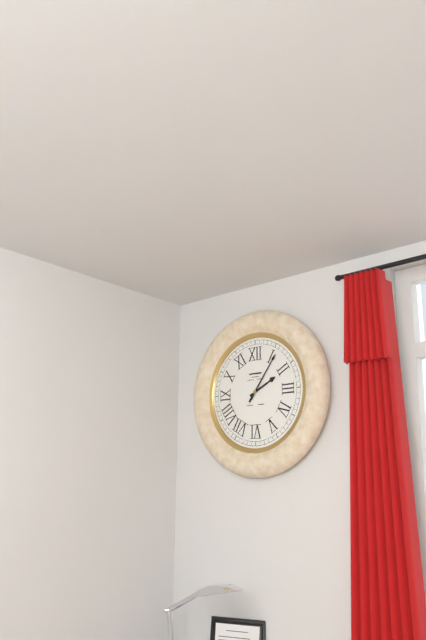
2 h 06 min
